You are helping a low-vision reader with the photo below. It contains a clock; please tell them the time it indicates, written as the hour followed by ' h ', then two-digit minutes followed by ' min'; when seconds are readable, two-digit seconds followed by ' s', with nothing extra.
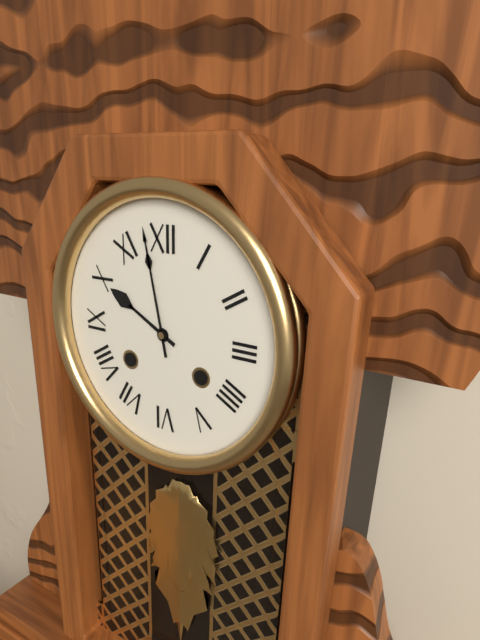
9 h 58 min
